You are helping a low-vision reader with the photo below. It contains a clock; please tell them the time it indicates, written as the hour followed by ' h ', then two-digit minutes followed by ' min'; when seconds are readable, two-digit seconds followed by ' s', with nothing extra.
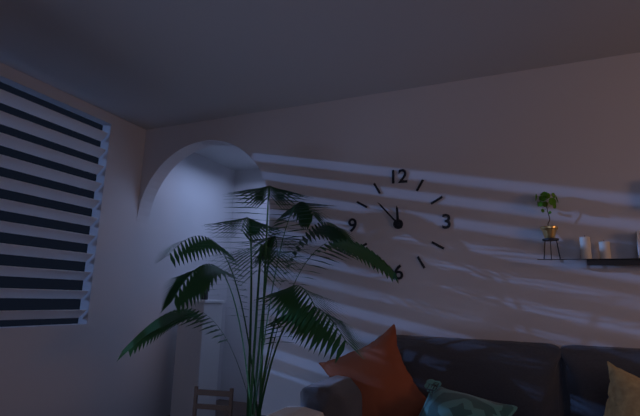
11 h 53 min
